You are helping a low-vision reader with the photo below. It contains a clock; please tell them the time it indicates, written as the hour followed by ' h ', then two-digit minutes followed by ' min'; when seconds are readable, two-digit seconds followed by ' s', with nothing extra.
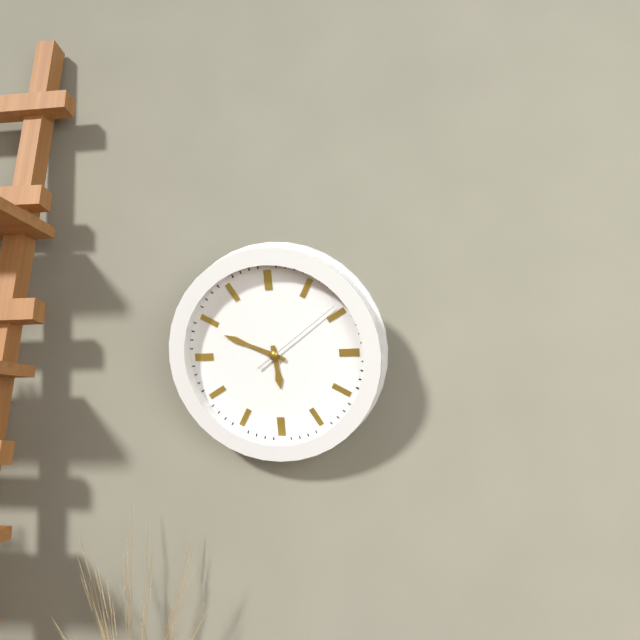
5 h 49 min 09 s
